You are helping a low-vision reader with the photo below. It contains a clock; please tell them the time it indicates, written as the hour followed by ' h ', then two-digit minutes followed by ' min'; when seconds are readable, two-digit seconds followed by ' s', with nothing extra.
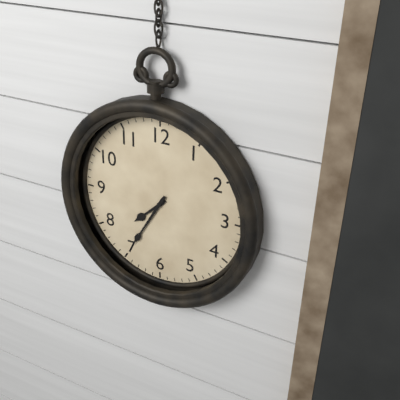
7 h 35 min
